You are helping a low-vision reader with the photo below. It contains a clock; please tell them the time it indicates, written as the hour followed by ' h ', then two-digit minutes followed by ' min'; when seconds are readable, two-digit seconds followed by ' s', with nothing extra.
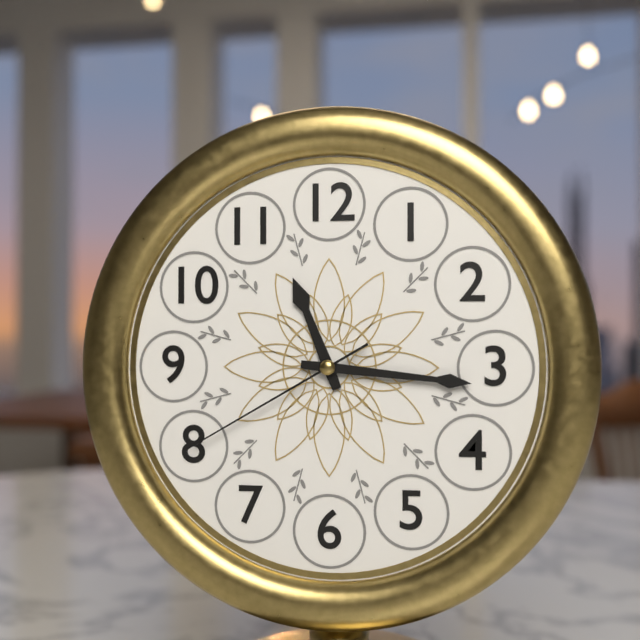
11 h 16 min 40 s
